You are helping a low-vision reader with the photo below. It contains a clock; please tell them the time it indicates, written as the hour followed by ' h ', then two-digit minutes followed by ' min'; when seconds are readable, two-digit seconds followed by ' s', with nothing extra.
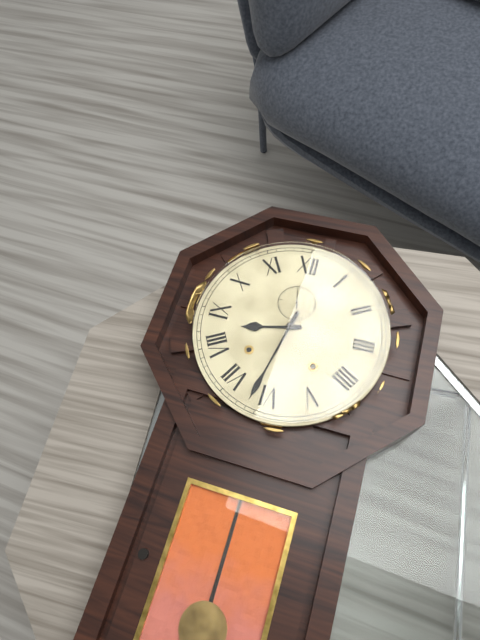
8 h 32 min
